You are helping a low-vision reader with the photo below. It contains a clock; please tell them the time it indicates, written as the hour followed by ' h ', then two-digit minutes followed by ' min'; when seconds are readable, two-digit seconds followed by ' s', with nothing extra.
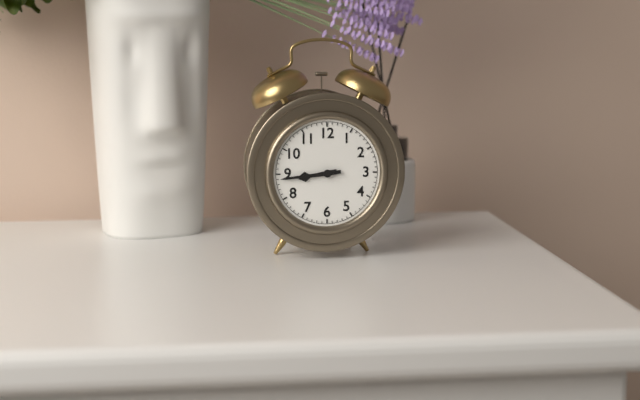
8 h 44 min
